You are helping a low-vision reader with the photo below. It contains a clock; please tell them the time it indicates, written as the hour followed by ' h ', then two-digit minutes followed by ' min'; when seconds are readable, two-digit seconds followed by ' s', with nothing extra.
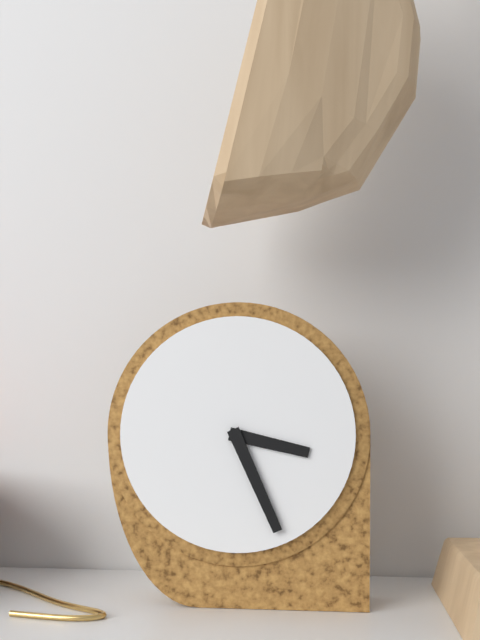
3 h 26 min
